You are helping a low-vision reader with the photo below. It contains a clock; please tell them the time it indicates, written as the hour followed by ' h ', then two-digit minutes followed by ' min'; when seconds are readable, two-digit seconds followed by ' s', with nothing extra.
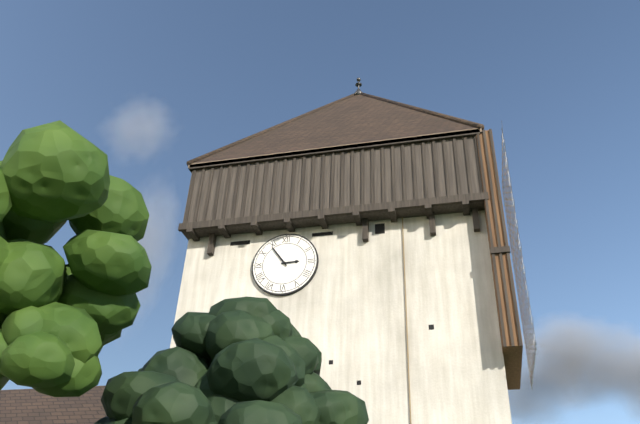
2 h 54 min
